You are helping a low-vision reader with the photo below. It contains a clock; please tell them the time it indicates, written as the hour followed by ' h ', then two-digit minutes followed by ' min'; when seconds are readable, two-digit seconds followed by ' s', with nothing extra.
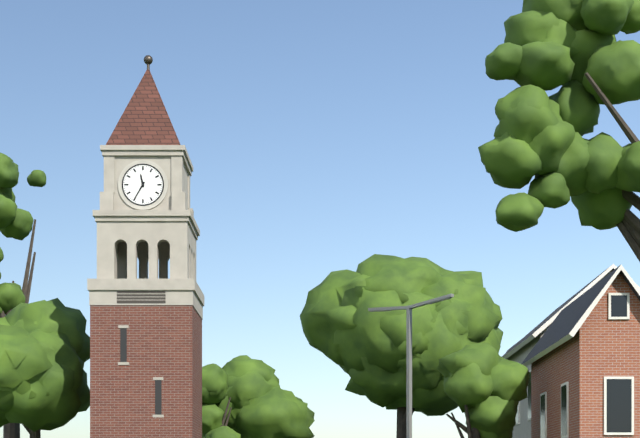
11 h 35 min
